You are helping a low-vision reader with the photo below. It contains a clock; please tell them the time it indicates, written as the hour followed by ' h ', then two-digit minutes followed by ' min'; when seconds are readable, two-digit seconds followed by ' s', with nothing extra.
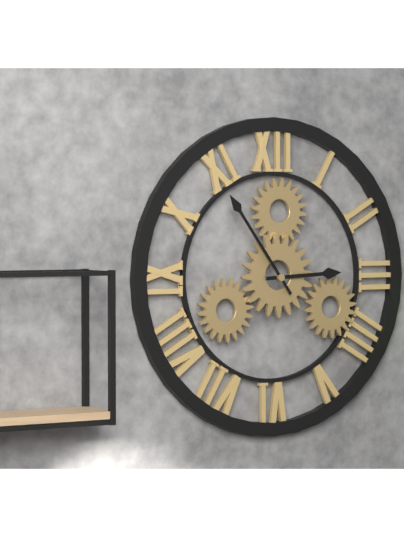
2 h 54 min
